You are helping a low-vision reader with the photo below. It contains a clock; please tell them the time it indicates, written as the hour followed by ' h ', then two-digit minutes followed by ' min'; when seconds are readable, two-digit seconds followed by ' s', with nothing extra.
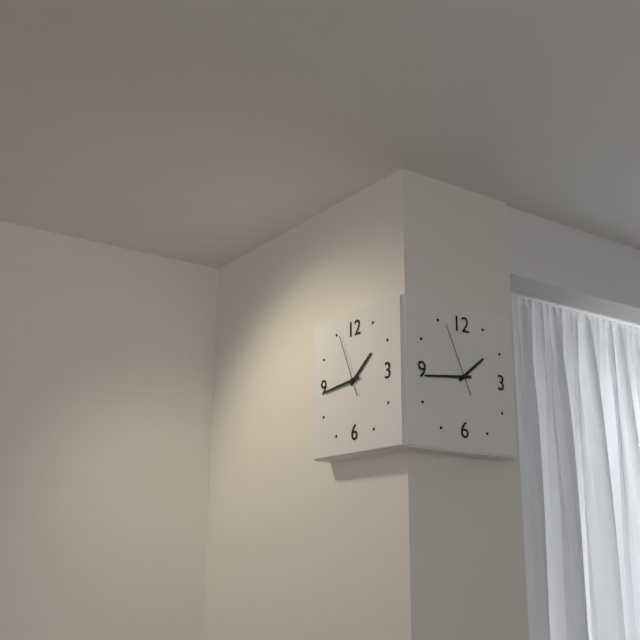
1 h 44 min 56 s
